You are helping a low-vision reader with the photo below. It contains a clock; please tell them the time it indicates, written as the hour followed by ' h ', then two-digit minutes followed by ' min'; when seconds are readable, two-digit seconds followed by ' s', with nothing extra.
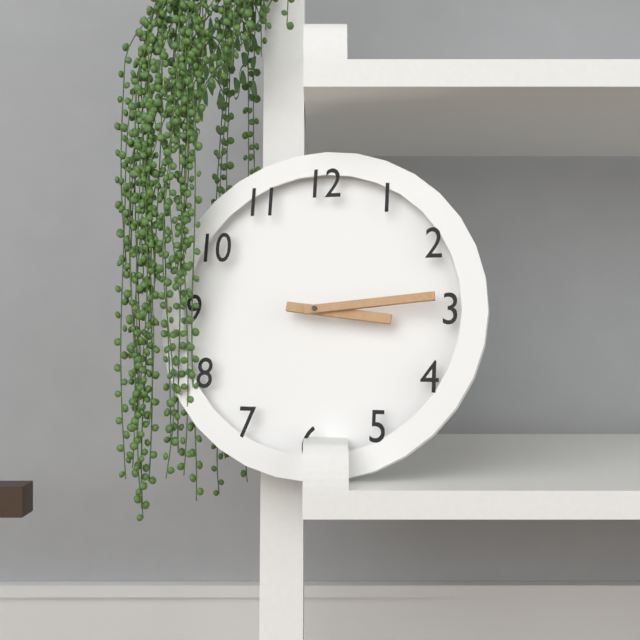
3 h 14 min
